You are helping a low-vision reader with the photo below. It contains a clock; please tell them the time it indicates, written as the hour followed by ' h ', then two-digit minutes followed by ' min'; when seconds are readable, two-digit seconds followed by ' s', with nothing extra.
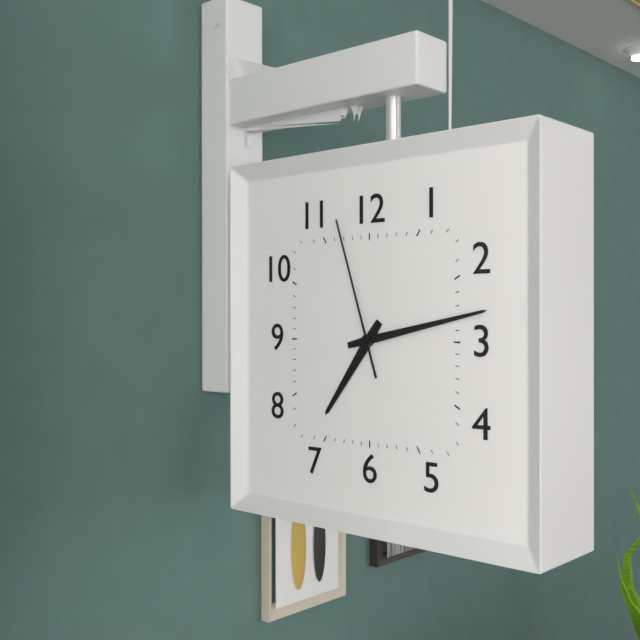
7 h 13 min 57 s
